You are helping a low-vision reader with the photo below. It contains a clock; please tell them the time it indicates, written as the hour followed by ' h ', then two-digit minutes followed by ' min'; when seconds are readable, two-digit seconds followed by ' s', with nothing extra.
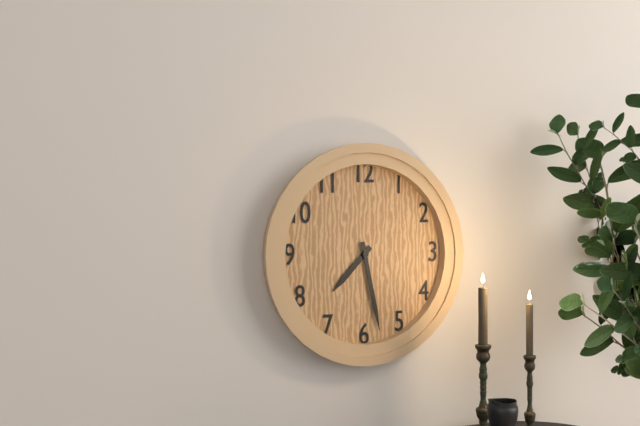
7 h 28 min
